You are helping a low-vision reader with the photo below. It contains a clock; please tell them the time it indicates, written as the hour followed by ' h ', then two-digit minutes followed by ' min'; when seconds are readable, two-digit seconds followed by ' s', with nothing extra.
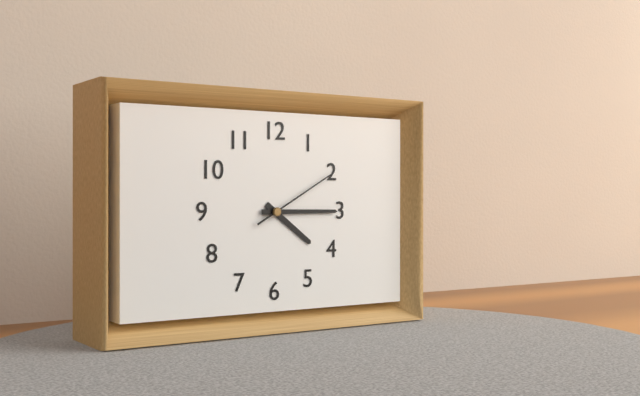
4 h 15 min 10 s
